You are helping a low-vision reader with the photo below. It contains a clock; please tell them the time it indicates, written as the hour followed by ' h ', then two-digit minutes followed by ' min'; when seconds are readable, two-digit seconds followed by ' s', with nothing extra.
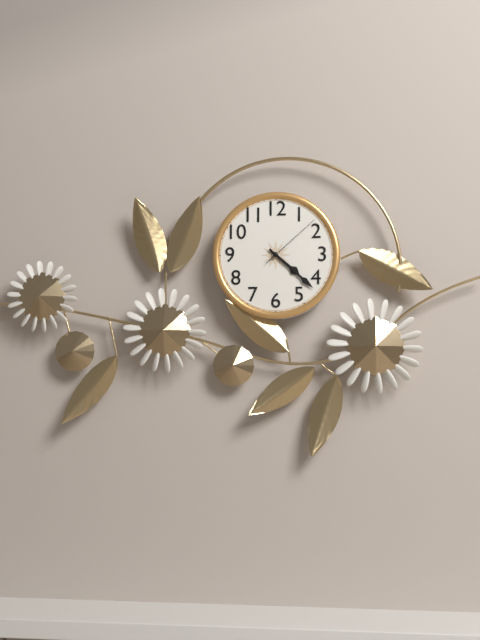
4 h 22 min 08 s
